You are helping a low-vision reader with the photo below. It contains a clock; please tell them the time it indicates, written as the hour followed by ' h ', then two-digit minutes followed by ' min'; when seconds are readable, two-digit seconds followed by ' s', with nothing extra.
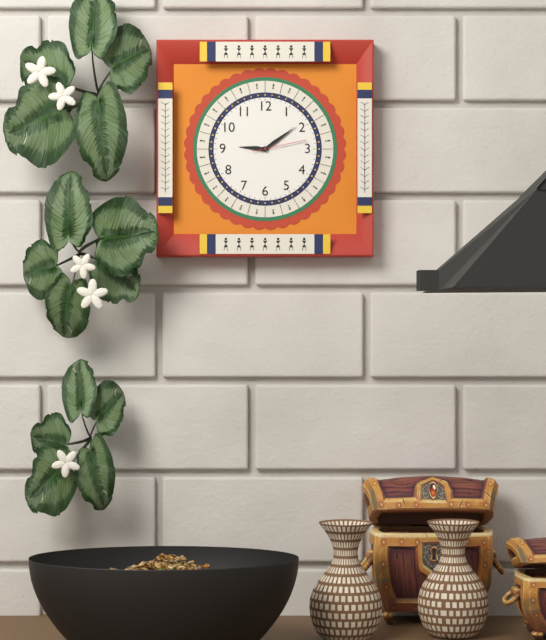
9 h 09 min 13 s
